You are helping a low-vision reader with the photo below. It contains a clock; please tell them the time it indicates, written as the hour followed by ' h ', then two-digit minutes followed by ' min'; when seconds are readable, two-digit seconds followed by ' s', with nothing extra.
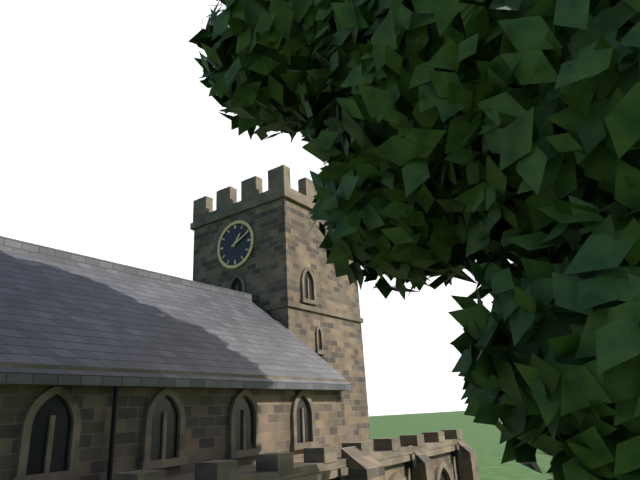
1 h 11 min
